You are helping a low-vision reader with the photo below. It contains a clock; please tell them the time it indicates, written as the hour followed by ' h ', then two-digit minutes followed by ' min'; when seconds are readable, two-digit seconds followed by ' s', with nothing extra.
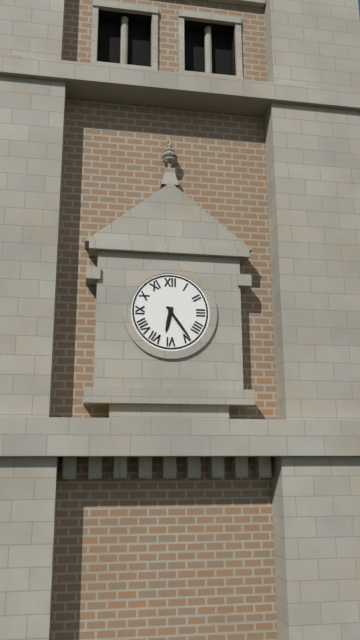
6 h 24 min
